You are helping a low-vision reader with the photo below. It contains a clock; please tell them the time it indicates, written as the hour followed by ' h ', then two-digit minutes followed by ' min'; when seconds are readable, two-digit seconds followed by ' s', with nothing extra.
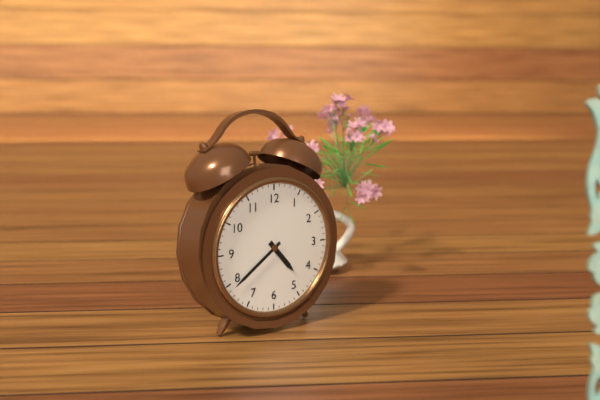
4 h 39 min
